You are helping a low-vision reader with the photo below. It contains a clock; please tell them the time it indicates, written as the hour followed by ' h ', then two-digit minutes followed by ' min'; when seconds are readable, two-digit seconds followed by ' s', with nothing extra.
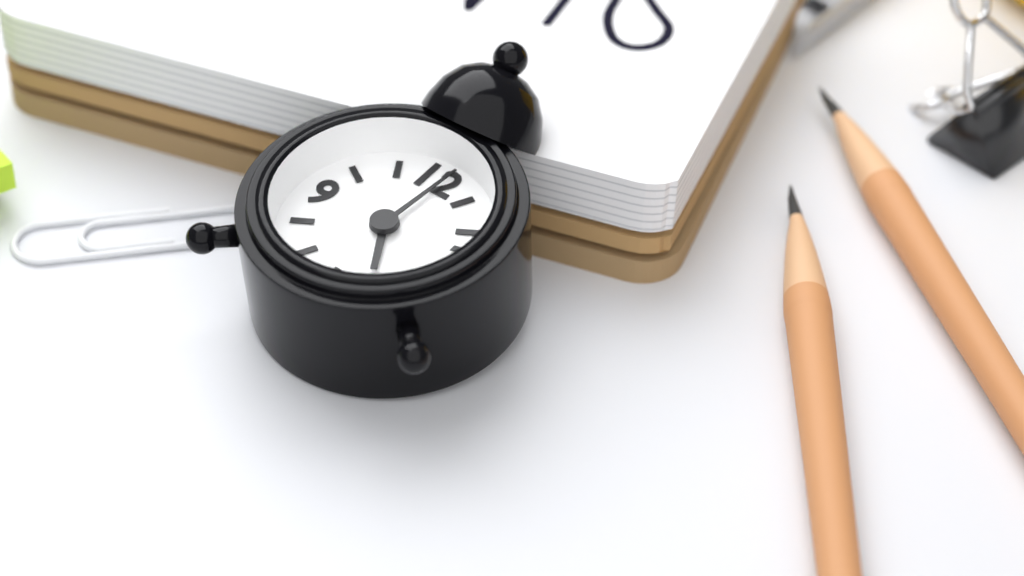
5 h 01 min
